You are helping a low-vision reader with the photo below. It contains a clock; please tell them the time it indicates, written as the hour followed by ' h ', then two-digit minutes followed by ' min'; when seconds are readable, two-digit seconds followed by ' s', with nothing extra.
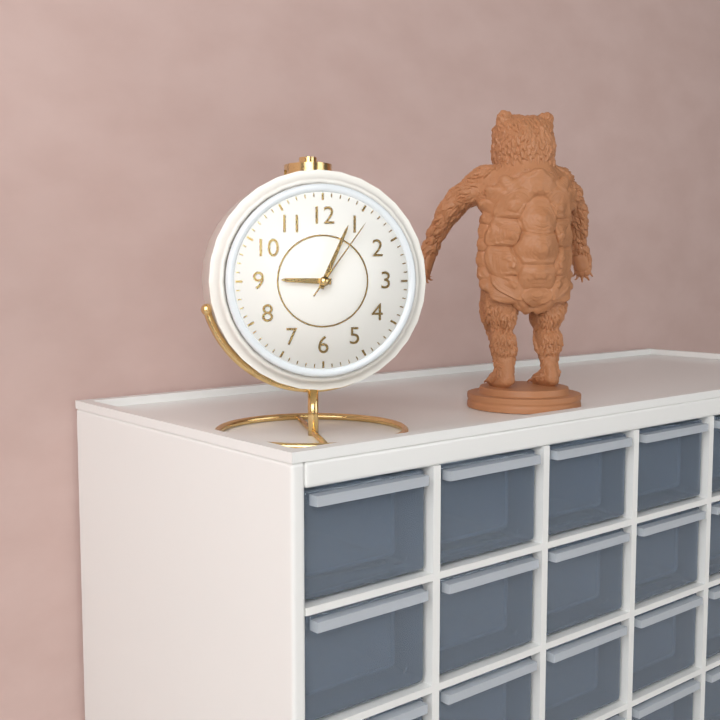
9 h 04 min 06 s
